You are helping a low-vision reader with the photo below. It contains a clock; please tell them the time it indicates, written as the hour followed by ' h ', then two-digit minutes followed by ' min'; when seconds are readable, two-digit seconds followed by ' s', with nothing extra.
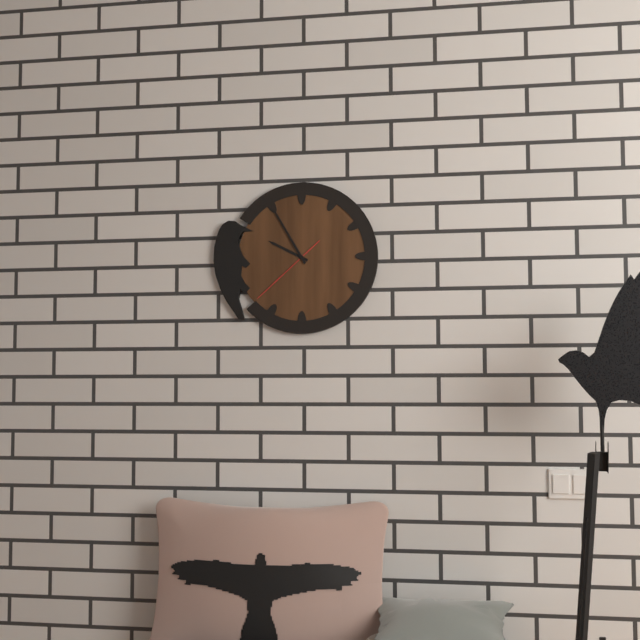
9 h 55 min 38 s
